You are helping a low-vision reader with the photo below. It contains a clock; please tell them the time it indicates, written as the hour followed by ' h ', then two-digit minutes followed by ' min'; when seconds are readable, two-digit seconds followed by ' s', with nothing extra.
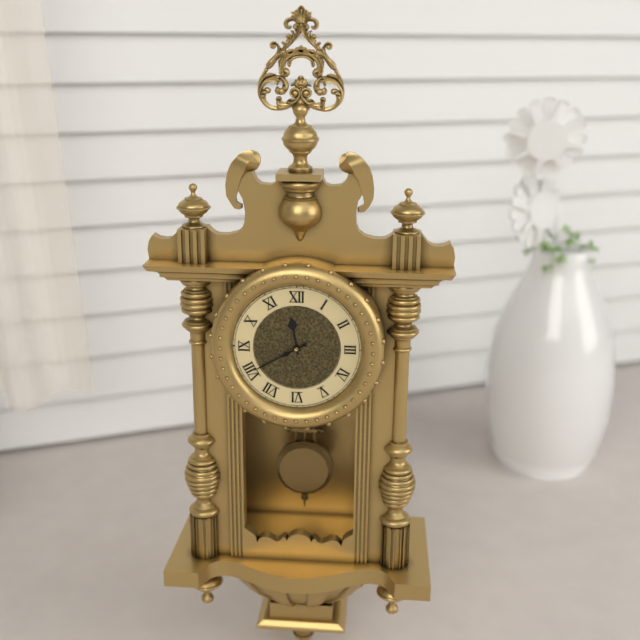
11 h 40 min
